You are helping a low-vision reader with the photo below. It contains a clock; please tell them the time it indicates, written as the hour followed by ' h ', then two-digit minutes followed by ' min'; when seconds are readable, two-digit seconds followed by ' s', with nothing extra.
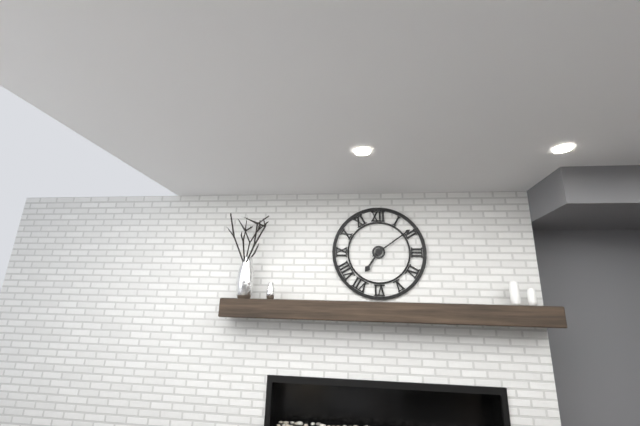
7 h 09 min
